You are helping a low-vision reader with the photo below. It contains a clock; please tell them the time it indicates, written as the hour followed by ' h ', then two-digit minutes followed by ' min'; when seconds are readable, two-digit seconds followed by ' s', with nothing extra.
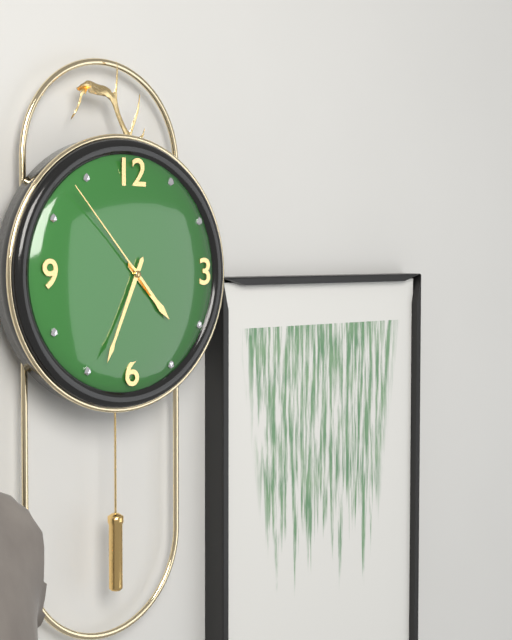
4 h 34 min 53 s
